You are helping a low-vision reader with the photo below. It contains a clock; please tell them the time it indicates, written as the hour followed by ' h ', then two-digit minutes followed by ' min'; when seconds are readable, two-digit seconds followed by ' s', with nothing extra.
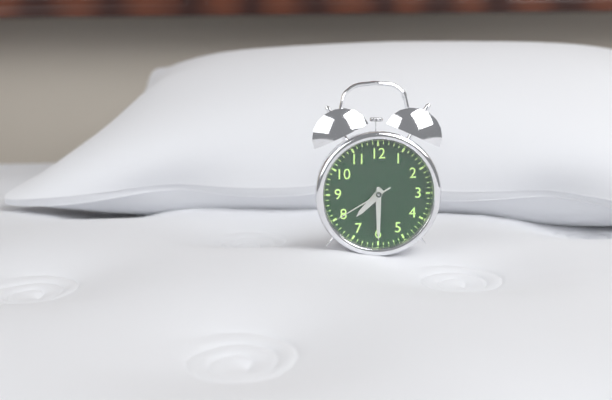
7 h 30 min 40 s
